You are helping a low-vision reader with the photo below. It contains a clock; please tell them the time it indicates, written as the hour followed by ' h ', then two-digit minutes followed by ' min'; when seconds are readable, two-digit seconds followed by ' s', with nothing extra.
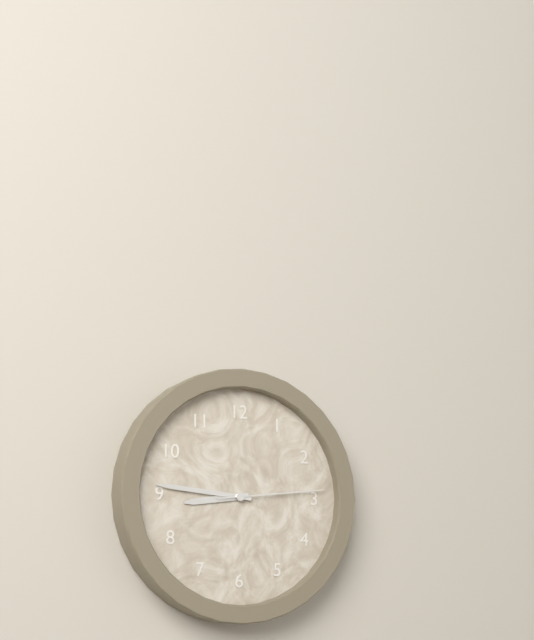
8 h 46 min 14 s
